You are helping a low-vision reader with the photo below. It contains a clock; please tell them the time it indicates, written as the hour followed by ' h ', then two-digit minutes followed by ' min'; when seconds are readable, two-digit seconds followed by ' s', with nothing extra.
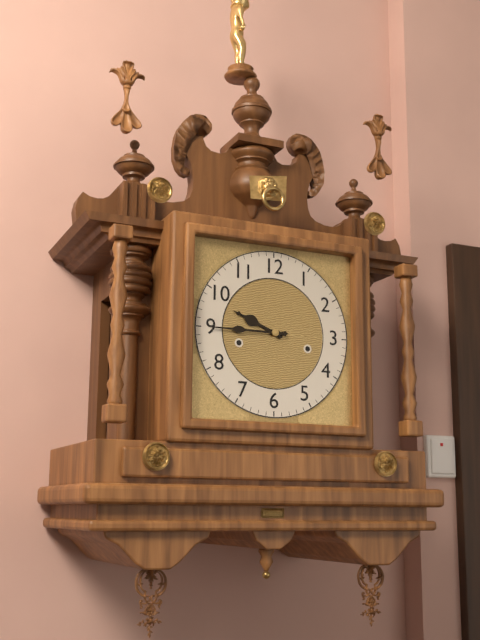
9 h 45 min
